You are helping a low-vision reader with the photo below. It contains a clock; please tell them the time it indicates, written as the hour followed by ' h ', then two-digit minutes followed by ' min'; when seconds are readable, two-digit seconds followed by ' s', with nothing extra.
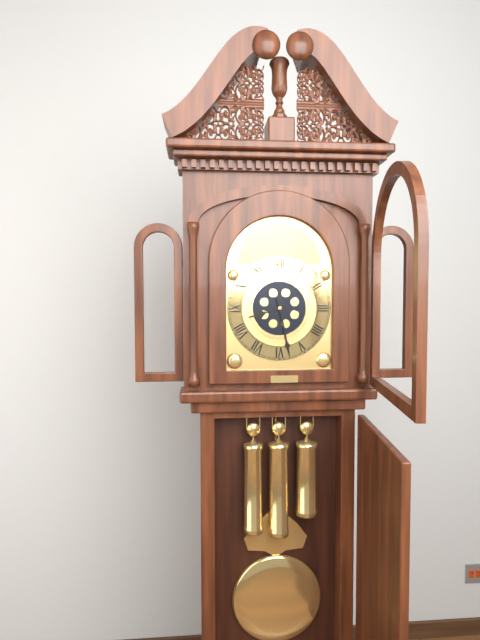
8 h 28 min
